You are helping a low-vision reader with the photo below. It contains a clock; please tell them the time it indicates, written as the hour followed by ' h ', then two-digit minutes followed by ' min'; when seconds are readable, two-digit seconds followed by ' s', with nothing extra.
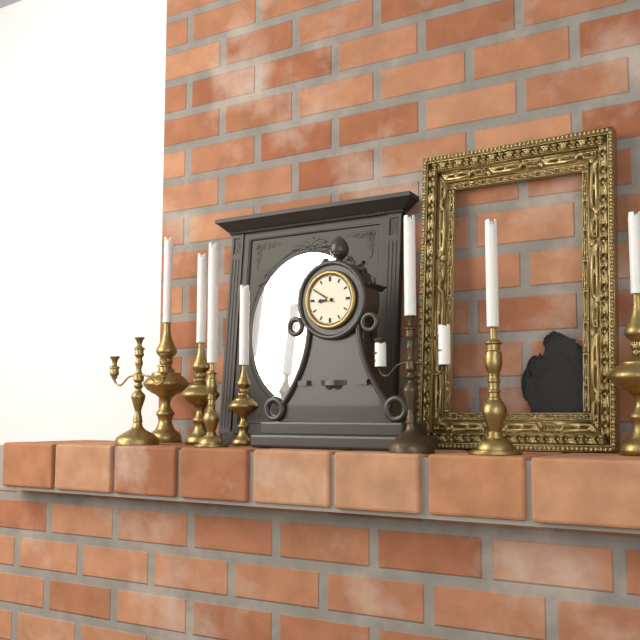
8 h 50 min
